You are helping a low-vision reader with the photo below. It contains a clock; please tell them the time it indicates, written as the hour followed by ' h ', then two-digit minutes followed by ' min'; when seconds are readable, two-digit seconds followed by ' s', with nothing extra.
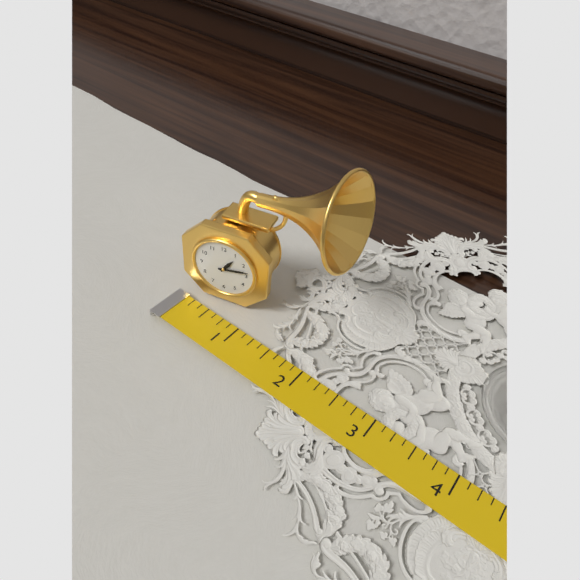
1 h 13 min
